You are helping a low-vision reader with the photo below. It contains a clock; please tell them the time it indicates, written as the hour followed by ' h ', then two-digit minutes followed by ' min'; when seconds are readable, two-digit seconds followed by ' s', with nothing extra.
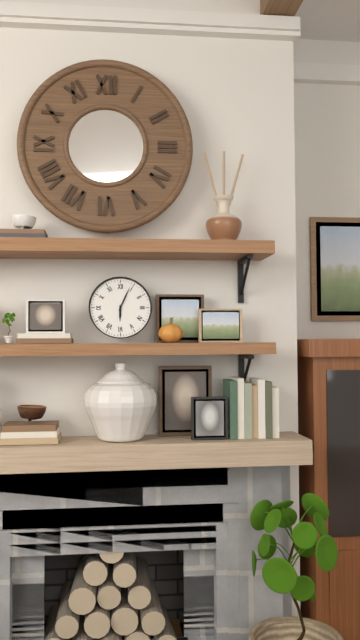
6 h 04 min
